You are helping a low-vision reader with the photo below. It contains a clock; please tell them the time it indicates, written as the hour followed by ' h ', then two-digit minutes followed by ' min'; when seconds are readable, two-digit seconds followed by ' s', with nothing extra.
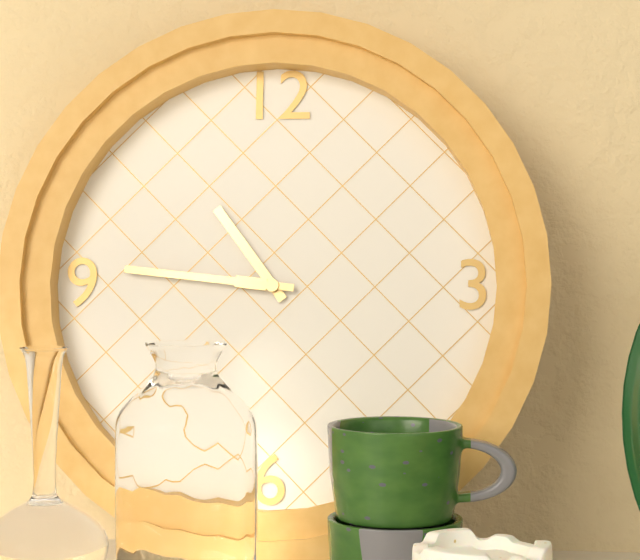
10 h 46 min
